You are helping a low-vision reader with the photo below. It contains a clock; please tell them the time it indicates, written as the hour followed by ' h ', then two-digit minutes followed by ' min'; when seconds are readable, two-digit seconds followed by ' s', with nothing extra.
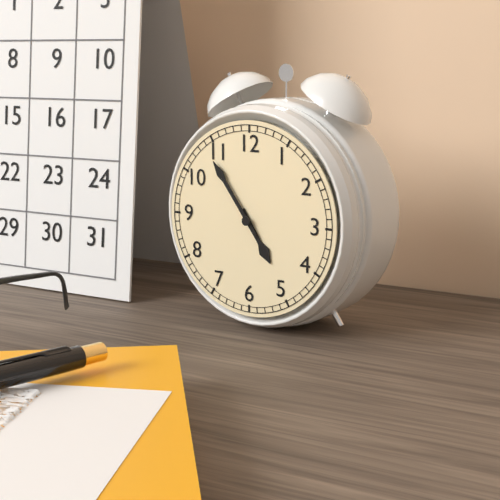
4 h 54 min
